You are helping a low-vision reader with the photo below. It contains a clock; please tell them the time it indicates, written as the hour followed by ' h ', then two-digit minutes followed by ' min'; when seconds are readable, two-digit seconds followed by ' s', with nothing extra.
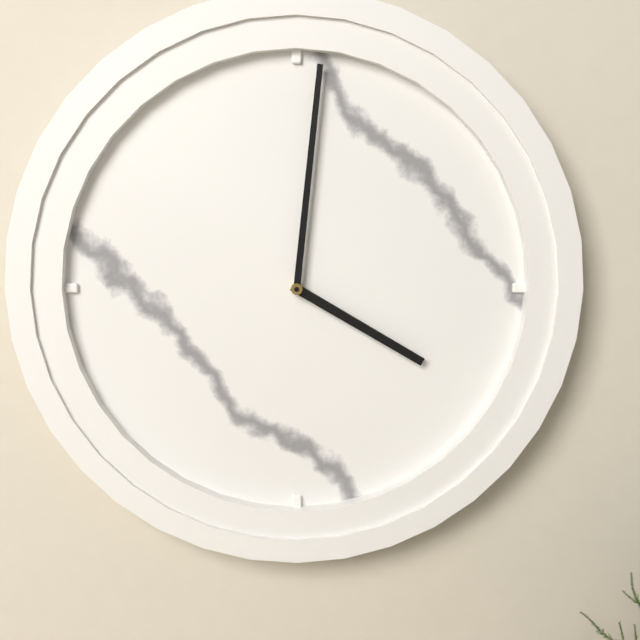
4 h 01 min
